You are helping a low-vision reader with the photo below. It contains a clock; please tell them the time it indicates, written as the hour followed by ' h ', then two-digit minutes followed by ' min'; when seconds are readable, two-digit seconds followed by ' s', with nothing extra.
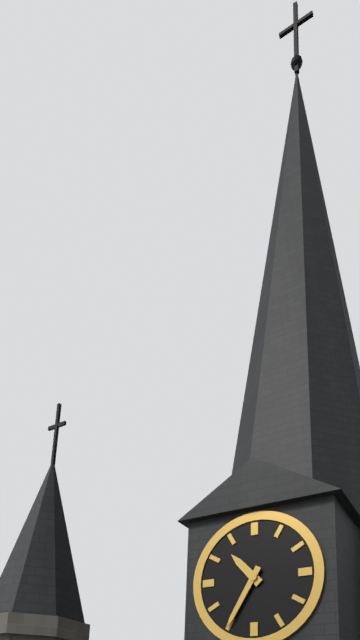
10 h 35 min
